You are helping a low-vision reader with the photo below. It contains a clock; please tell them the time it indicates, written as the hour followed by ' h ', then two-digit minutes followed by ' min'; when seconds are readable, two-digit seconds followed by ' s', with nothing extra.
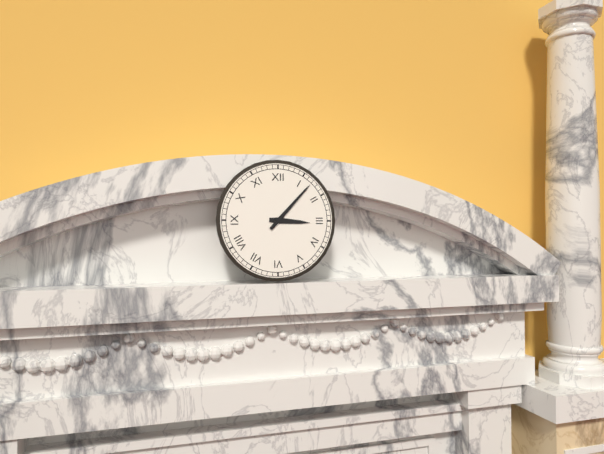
3 h 07 min
